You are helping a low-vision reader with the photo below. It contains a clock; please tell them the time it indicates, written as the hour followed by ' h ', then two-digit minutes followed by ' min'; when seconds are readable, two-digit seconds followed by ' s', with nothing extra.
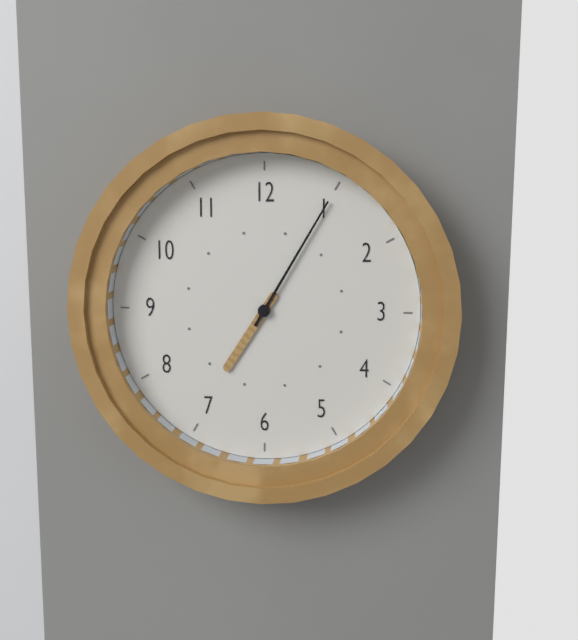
7 h 05 min
